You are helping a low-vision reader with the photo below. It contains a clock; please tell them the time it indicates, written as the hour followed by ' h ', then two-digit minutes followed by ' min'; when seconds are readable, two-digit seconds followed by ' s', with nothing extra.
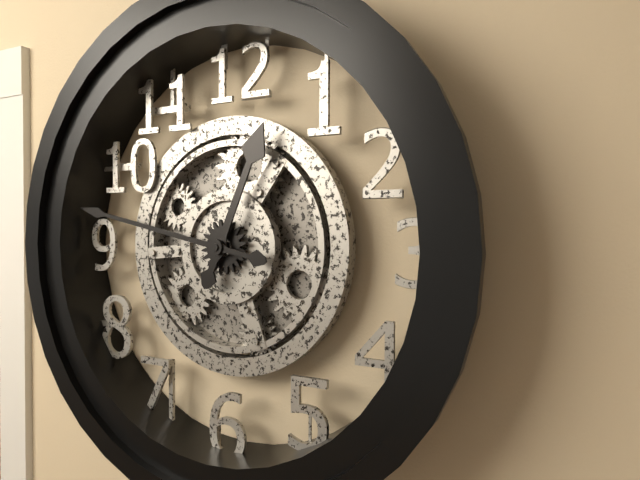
12 h 47 min
